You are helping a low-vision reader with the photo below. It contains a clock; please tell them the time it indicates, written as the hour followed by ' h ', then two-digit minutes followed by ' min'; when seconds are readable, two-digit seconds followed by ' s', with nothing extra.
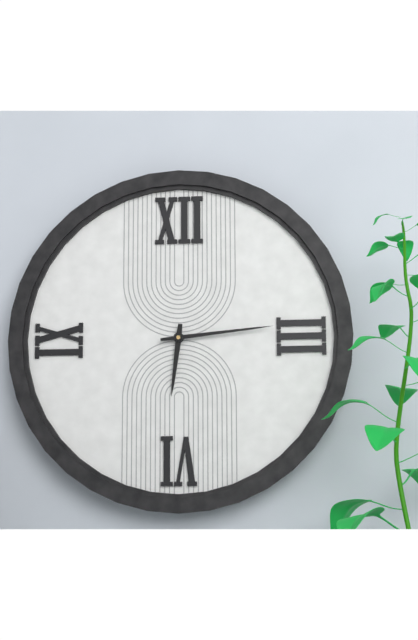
6 h 14 min
